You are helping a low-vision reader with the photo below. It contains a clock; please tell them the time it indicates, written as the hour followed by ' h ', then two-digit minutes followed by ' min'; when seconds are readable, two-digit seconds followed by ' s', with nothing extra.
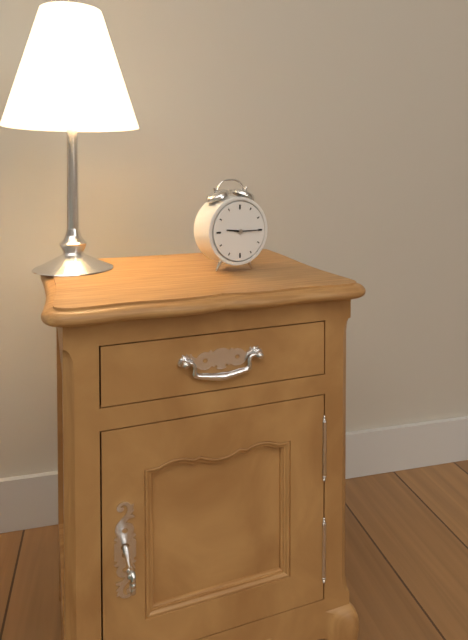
9 h 15 min
